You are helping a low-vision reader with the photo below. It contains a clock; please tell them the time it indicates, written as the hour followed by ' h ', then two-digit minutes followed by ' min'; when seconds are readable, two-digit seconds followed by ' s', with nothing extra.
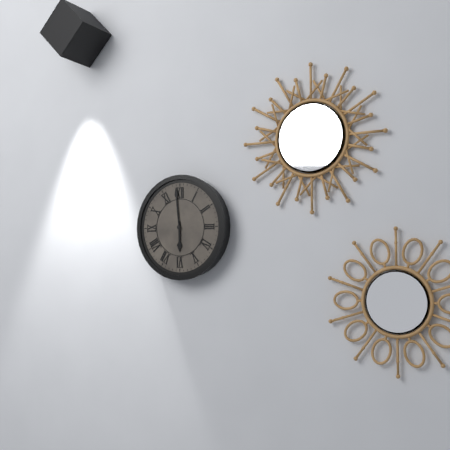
5 h 59 min
